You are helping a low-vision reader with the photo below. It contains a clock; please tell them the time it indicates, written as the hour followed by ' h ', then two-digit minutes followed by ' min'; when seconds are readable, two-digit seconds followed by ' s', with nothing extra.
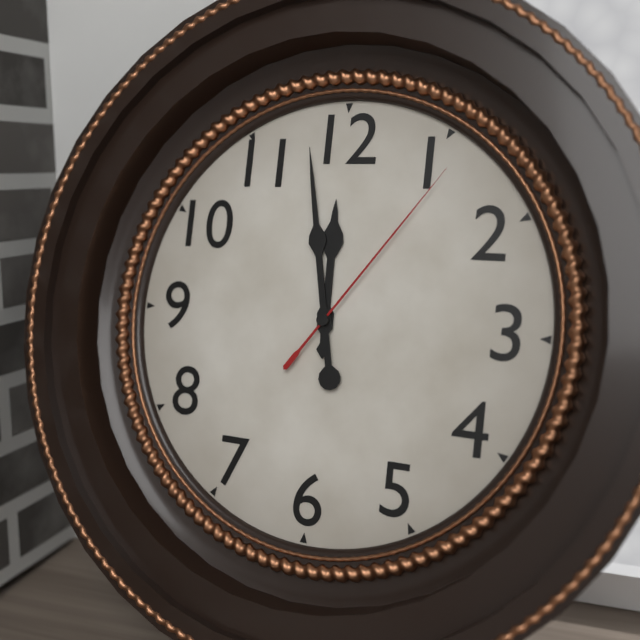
11 h 58 min 06 s
